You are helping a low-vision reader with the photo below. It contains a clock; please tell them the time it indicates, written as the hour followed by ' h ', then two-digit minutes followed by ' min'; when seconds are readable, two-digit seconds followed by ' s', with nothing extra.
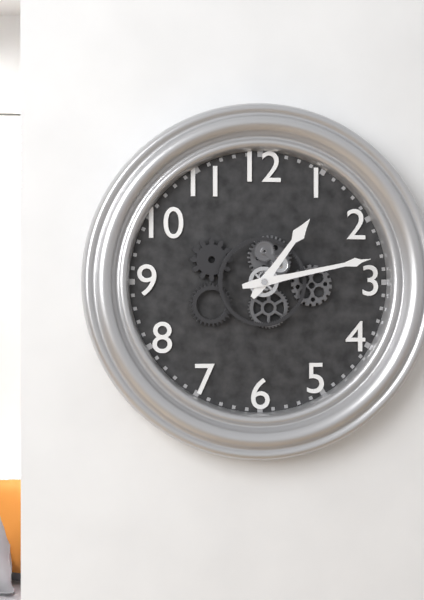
1 h 13 min
